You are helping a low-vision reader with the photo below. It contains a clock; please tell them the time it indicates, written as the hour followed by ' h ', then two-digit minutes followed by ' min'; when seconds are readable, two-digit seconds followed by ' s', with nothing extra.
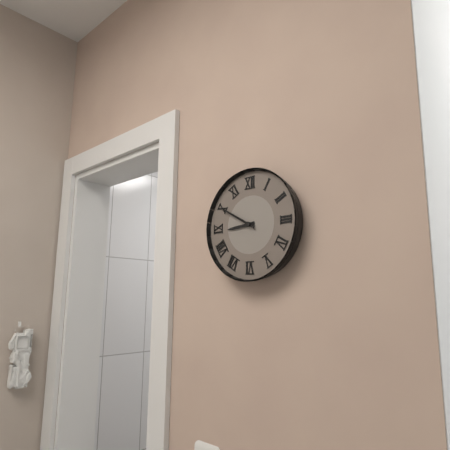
8 h 50 min
